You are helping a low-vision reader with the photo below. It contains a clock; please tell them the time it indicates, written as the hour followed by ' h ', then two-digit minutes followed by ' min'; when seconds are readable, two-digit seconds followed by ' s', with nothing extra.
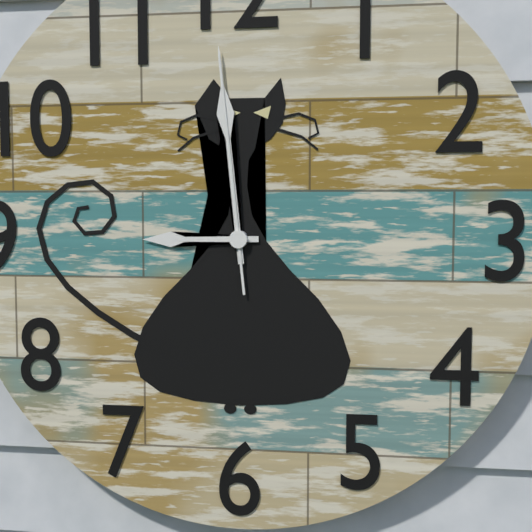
8 h 59 min 59 s
